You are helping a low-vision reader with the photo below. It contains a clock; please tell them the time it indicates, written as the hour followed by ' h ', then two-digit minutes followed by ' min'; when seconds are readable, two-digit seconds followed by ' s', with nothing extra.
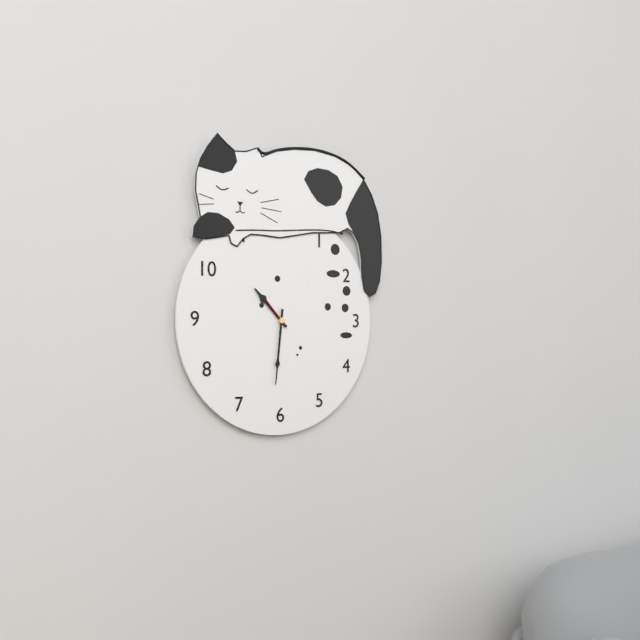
10 h 31 min
